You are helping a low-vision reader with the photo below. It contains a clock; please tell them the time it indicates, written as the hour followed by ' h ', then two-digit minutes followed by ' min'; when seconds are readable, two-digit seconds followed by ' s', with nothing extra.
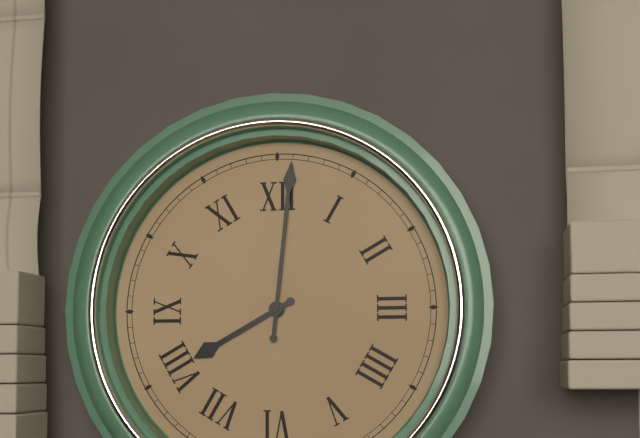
8 h 01 min
